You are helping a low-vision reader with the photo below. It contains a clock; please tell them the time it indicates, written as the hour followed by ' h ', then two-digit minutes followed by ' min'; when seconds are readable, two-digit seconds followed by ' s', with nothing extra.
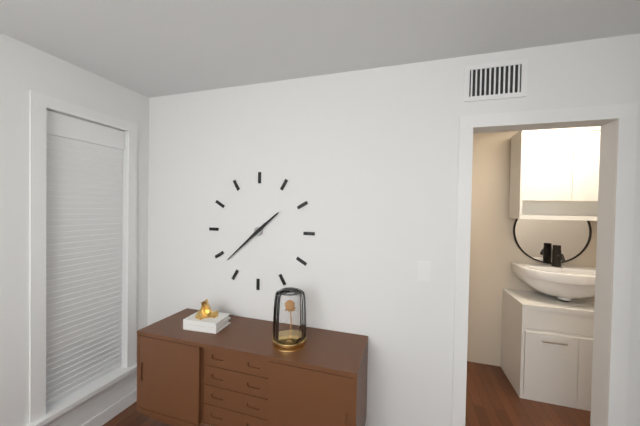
1 h 38 min
